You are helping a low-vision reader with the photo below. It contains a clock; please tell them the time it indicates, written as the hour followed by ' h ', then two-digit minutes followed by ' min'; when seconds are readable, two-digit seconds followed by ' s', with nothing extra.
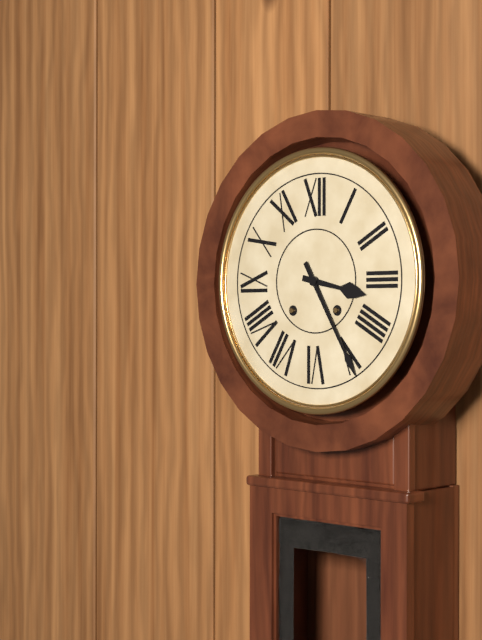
3 h 25 min
